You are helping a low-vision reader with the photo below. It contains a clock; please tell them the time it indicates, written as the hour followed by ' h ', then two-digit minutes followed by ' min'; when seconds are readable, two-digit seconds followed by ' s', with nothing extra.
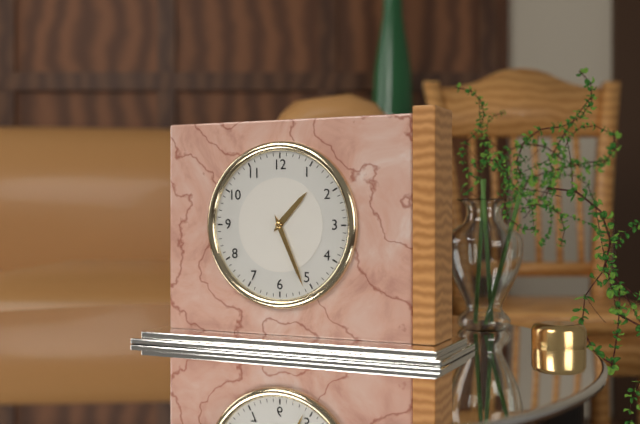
1 h 26 min
